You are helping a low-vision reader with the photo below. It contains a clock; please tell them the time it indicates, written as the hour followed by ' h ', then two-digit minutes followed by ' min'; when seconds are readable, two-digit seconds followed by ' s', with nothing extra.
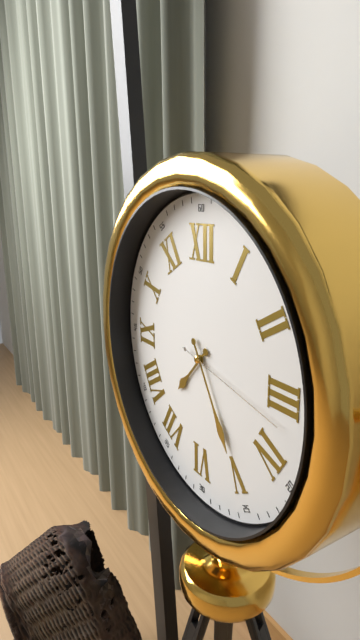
7 h 25 min 17 s
